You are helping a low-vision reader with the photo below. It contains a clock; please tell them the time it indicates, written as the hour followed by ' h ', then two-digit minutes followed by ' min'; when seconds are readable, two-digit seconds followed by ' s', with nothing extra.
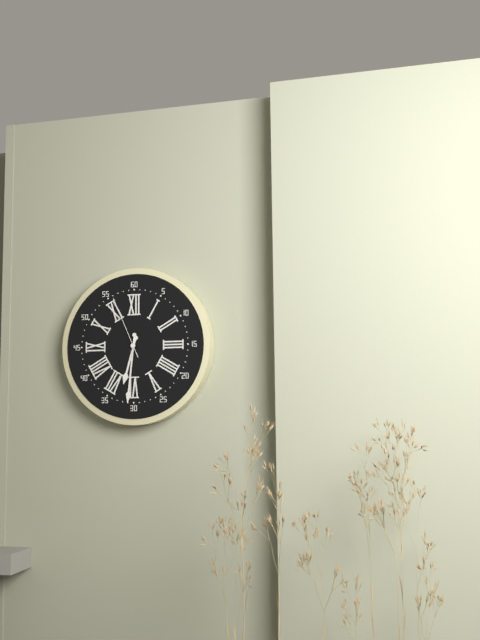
6 h 31 min 56 s
